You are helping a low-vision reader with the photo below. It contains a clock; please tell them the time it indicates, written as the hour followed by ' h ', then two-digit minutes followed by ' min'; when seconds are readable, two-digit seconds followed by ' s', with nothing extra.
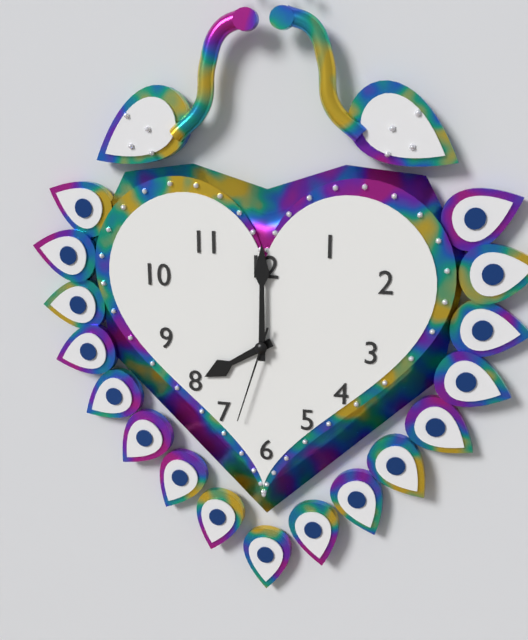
8 h 00 min 33 s
